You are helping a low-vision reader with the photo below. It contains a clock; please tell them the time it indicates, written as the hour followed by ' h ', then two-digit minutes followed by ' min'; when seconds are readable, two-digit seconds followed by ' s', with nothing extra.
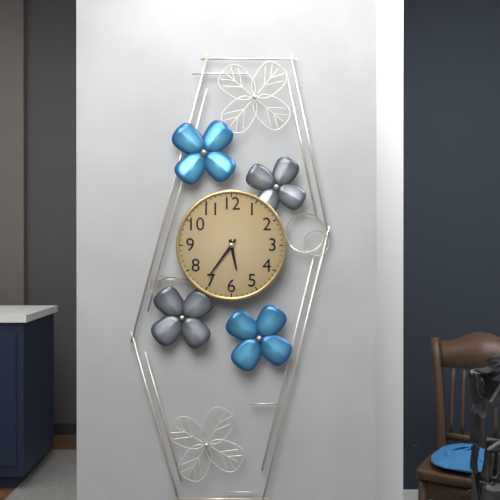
5 h 36 min
